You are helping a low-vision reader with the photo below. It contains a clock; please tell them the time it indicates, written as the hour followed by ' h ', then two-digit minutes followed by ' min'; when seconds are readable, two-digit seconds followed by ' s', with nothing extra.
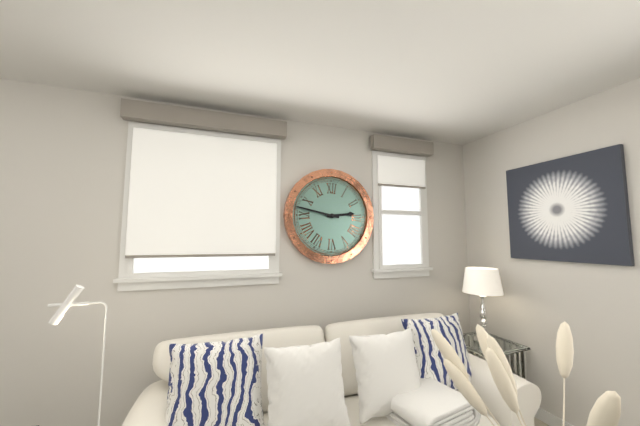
2 h 47 min
